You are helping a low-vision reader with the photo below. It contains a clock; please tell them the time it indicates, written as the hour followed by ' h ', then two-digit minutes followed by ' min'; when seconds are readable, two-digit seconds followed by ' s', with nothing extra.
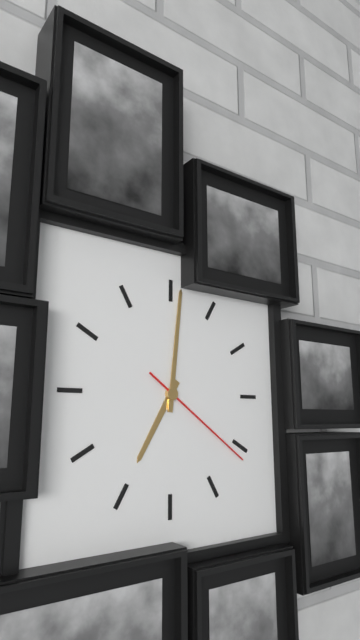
7 h 01 min 21 s
